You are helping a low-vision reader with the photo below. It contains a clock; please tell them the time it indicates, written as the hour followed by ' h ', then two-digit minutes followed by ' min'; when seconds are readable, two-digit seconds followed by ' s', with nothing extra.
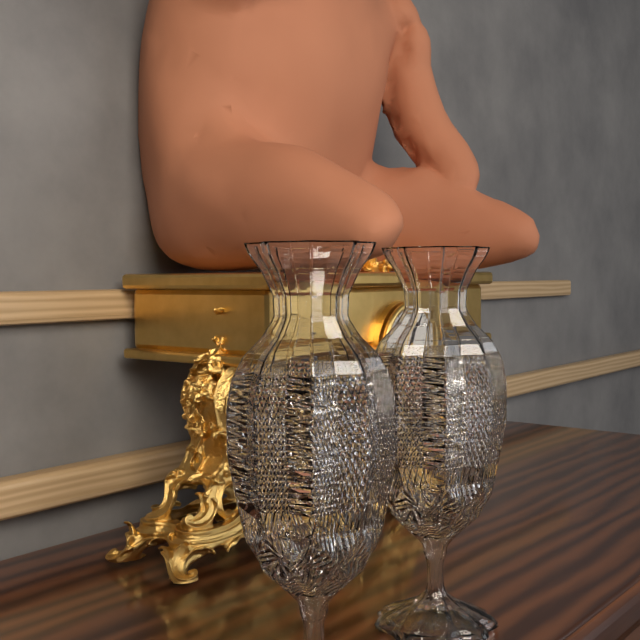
1 h 06 min
